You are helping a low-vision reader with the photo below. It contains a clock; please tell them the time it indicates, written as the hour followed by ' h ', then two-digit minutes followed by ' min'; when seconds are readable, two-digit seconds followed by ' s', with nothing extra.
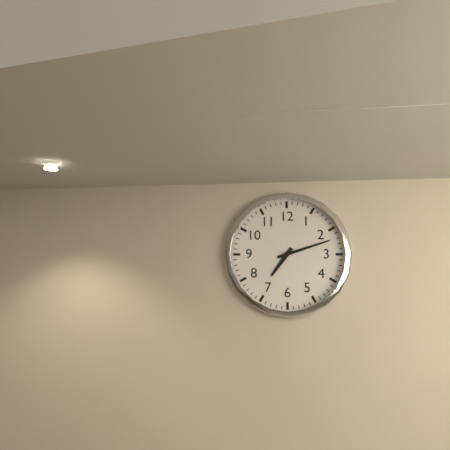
7 h 12 min
